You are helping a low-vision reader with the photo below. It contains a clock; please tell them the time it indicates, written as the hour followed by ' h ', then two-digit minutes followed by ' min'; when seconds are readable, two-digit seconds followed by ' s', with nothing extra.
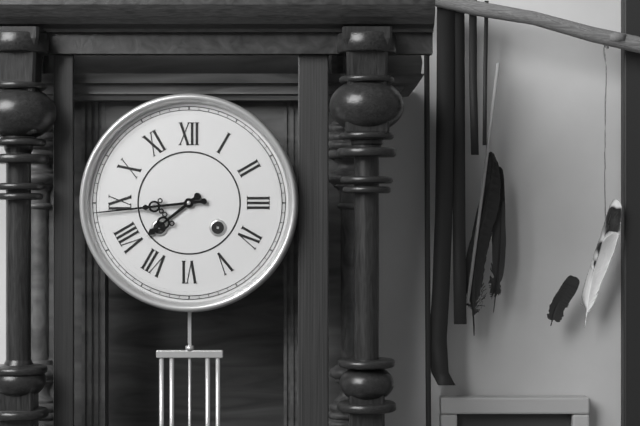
7 h 44 min
